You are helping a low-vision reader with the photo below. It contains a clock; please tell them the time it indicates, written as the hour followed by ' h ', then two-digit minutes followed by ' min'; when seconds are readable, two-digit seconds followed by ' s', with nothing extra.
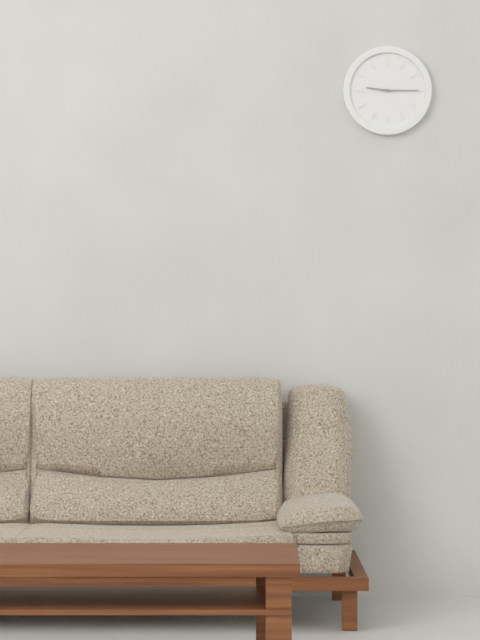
9 h 15 min
